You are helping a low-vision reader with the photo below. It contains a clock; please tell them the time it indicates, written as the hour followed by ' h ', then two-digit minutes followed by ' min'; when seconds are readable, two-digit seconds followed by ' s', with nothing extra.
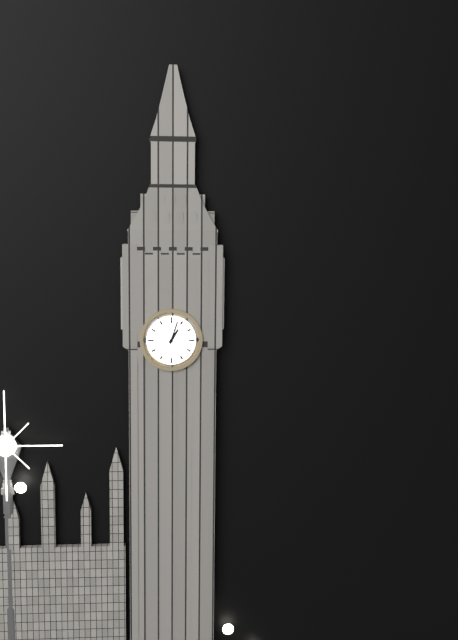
1 h 03 min
